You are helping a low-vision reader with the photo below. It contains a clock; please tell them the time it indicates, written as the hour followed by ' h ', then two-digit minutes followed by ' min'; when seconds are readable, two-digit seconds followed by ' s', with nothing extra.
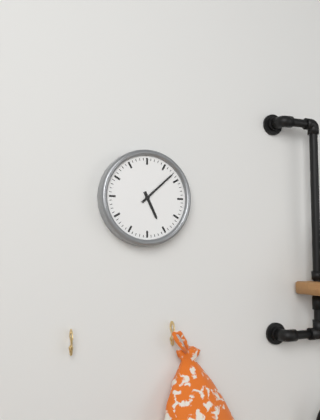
5 h 08 min
